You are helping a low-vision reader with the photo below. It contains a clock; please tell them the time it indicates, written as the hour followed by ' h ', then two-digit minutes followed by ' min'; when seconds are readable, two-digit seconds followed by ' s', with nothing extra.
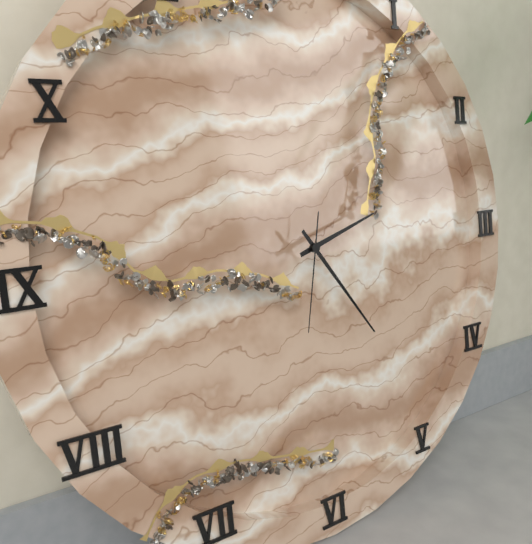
2 h 24 min 32 s
